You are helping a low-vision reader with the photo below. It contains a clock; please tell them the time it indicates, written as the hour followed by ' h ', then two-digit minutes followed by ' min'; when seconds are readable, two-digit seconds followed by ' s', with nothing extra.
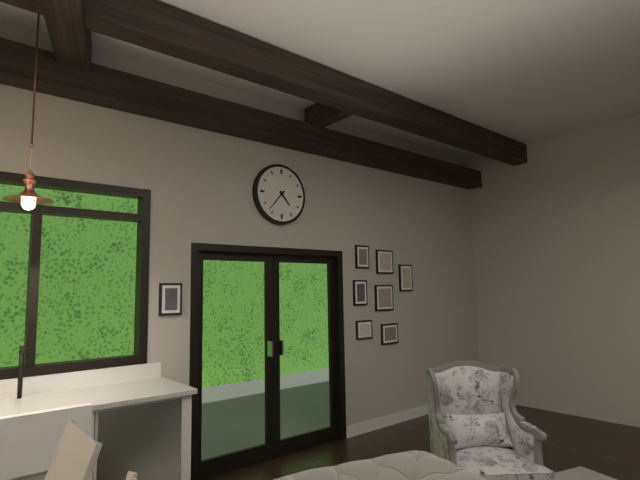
4 h 37 min
